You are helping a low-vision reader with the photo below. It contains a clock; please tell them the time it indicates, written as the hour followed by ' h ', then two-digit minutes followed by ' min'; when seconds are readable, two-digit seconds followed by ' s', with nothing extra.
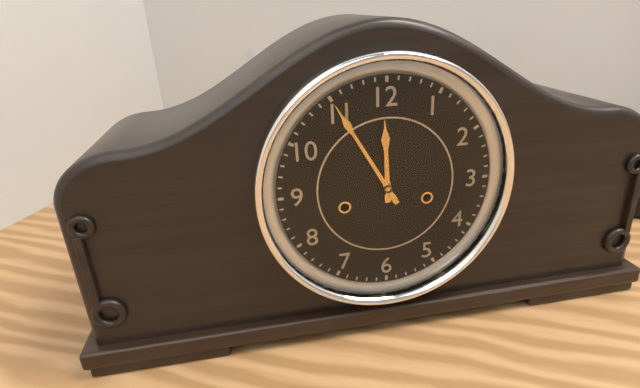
11 h 55 min
